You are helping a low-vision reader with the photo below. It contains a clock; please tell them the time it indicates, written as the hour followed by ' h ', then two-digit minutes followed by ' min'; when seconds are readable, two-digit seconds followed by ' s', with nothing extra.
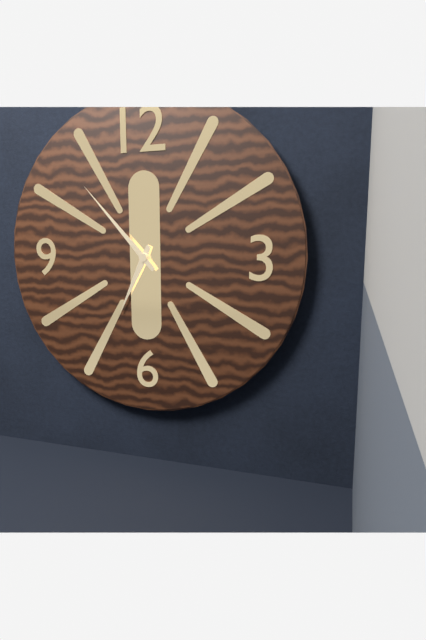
6 h 53 min
